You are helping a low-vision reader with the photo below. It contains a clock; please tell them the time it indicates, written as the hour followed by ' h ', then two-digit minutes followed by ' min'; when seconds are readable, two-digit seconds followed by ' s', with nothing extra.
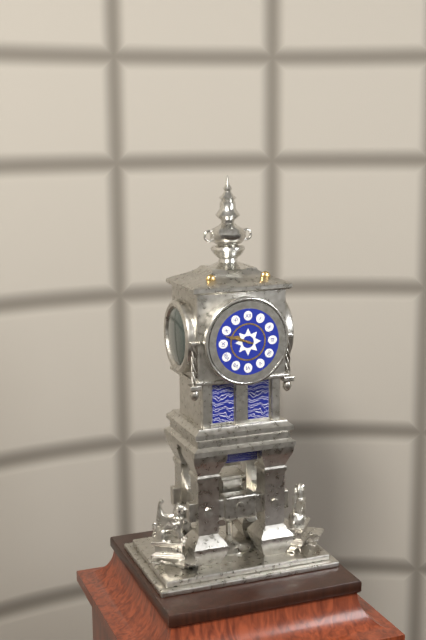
9 h 48 min
